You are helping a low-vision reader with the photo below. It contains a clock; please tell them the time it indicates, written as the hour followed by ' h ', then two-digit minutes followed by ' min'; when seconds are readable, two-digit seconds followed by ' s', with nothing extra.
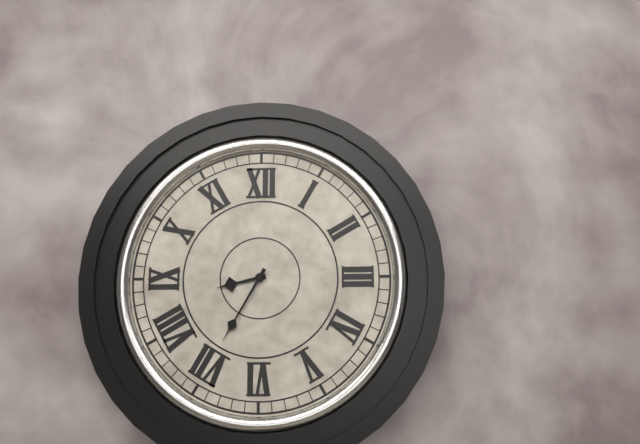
8 h 35 min
